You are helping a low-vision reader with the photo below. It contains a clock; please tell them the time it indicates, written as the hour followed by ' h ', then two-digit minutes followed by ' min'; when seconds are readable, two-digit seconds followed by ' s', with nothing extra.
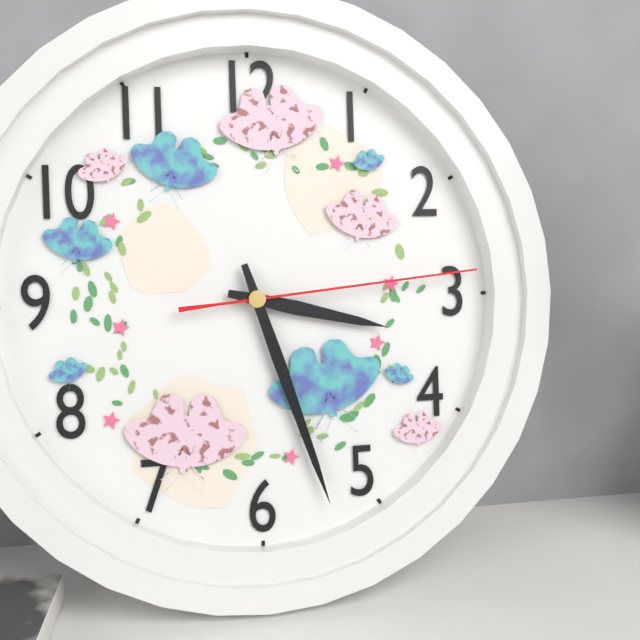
3 h 27 min 14 s
